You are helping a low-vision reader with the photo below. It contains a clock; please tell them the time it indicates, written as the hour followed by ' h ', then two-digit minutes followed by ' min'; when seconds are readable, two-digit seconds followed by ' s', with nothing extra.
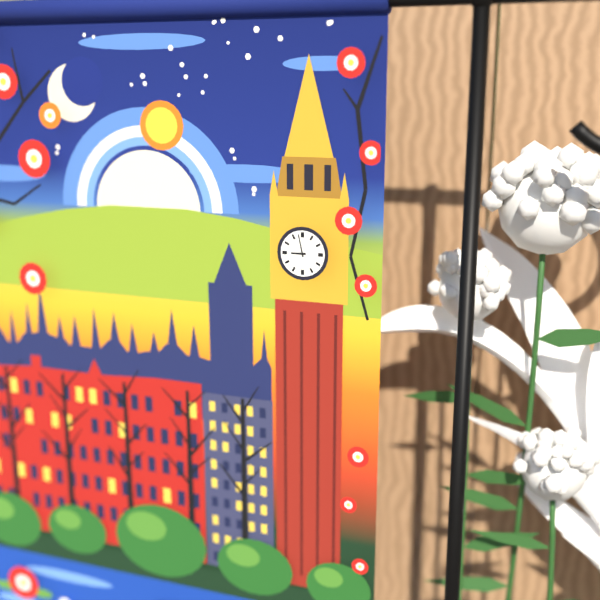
8 h 58 min
